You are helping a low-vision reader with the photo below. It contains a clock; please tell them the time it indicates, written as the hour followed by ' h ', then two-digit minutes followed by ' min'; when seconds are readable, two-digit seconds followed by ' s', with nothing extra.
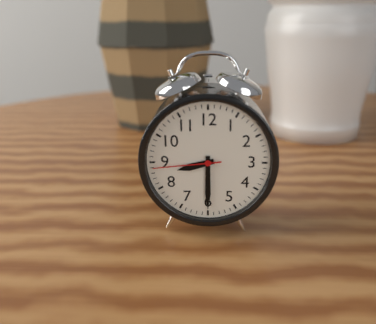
8 h 30 min 44 s
